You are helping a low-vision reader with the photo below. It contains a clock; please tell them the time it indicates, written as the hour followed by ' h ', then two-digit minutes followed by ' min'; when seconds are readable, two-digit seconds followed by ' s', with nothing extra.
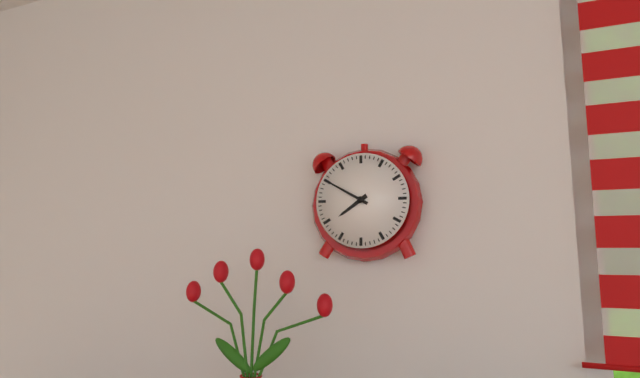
7 h 50 min
